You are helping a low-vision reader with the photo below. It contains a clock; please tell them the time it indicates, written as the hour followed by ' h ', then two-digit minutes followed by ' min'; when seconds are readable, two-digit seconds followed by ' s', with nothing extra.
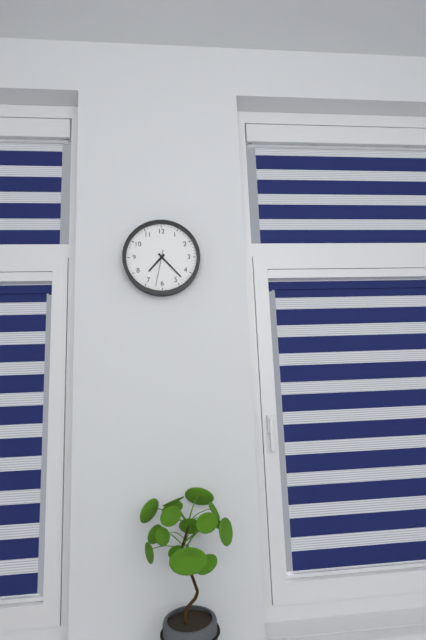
7 h 23 min
